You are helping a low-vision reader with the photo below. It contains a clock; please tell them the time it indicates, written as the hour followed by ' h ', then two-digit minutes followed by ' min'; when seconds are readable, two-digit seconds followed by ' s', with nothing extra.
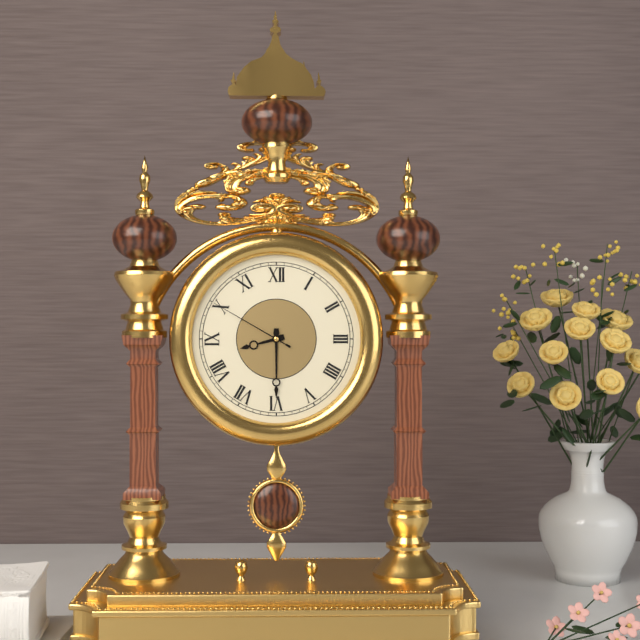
8 h 30 min 50 s
